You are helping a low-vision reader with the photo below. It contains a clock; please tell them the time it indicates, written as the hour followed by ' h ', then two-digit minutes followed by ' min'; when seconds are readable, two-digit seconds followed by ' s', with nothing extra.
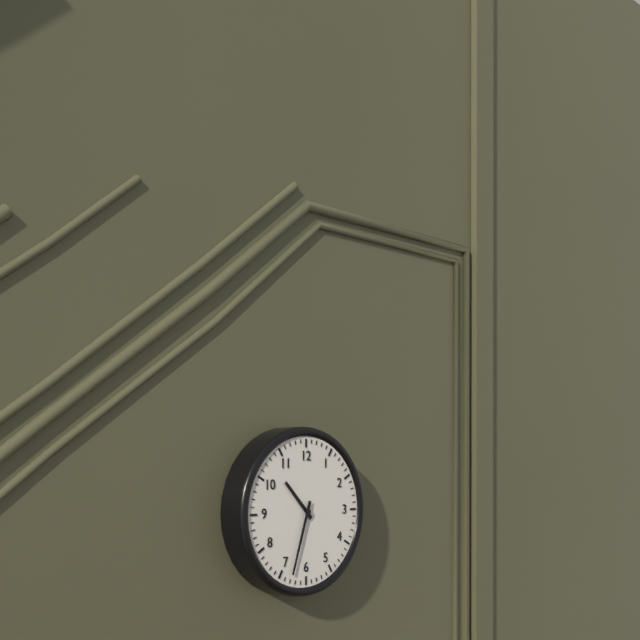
10 h 33 min
